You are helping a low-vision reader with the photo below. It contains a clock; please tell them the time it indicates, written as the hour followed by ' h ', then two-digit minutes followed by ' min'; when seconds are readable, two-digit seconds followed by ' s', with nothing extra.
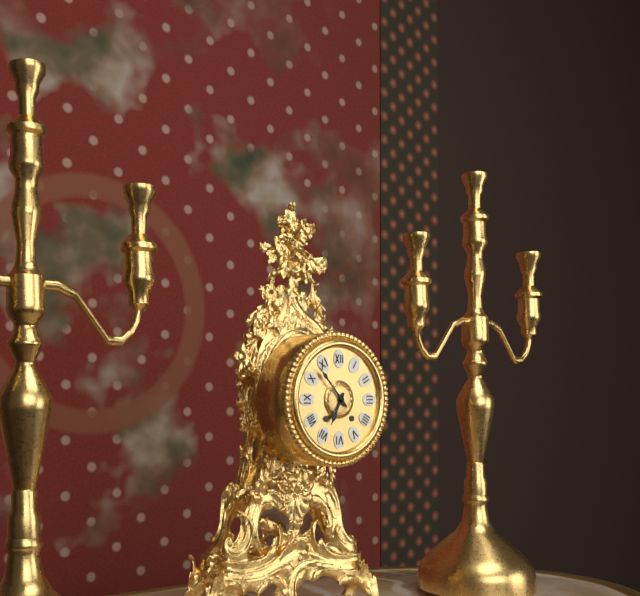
6 h 53 min
